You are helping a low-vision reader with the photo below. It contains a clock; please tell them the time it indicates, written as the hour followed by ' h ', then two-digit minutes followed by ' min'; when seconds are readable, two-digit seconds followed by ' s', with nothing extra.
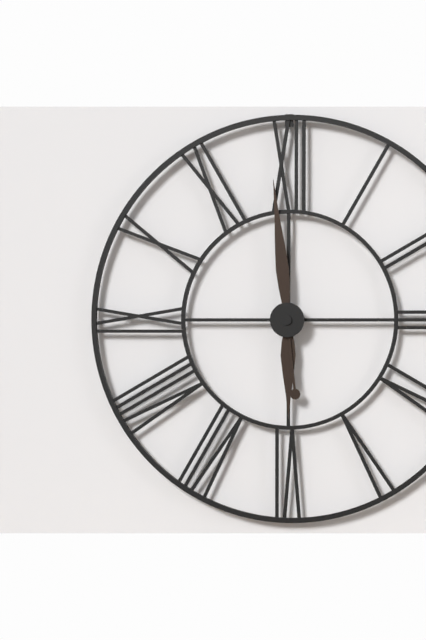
5 h 59 min
